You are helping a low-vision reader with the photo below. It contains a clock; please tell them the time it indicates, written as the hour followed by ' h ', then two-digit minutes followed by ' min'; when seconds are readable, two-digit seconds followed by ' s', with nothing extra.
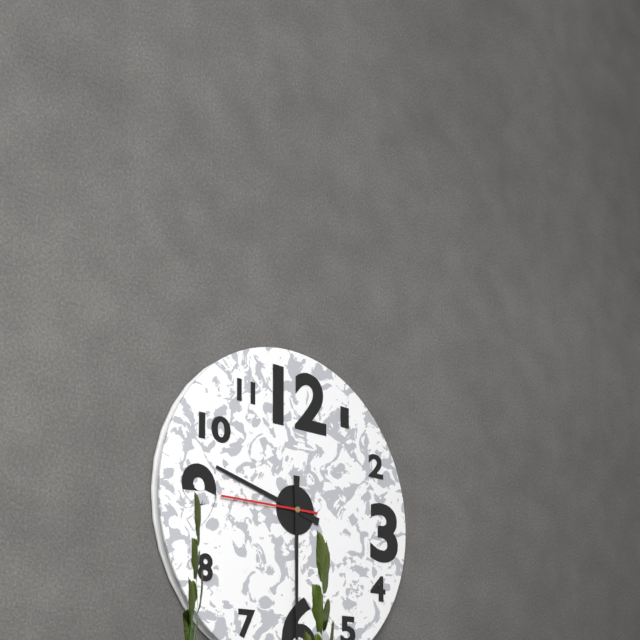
9 h 30 min 45 s
